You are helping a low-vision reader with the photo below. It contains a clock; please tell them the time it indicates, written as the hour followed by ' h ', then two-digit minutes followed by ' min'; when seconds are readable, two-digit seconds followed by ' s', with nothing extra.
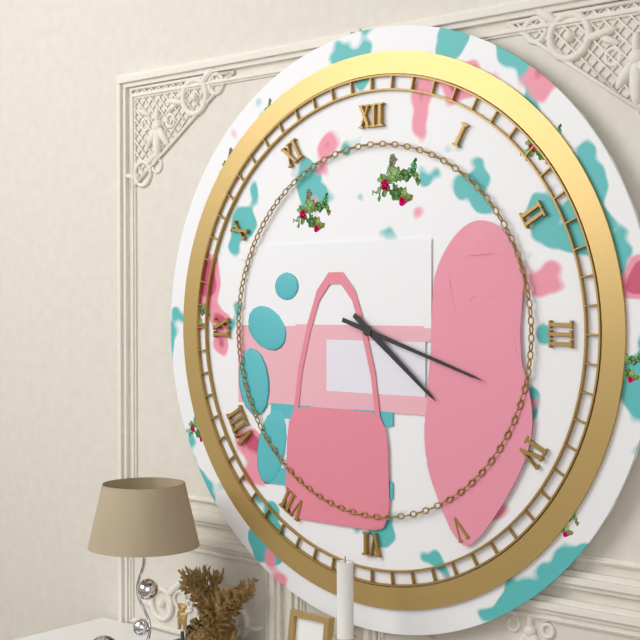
4 h 18 min
